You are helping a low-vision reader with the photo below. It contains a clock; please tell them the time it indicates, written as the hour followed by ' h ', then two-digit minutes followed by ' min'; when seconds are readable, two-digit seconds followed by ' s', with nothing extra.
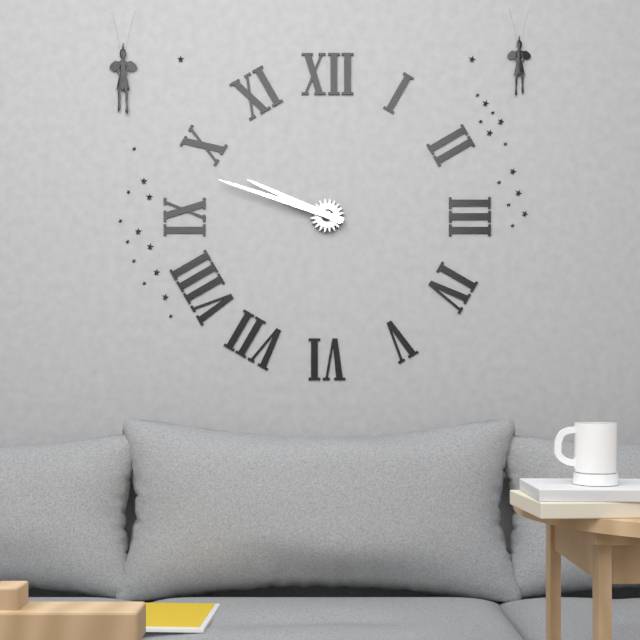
9 h 48 min
